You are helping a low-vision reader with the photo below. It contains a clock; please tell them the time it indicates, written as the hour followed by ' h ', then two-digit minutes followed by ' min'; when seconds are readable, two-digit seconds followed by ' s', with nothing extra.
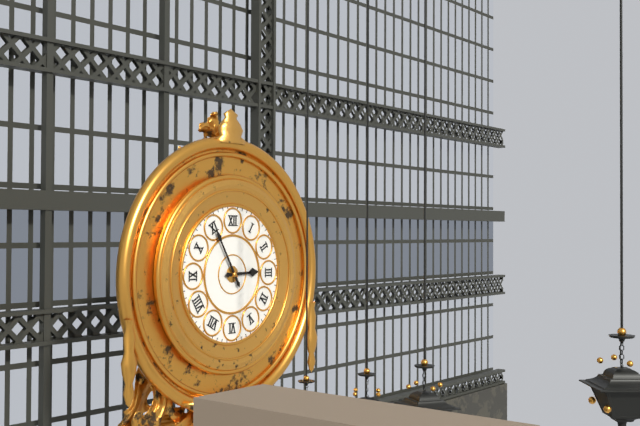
2 h 55 min
